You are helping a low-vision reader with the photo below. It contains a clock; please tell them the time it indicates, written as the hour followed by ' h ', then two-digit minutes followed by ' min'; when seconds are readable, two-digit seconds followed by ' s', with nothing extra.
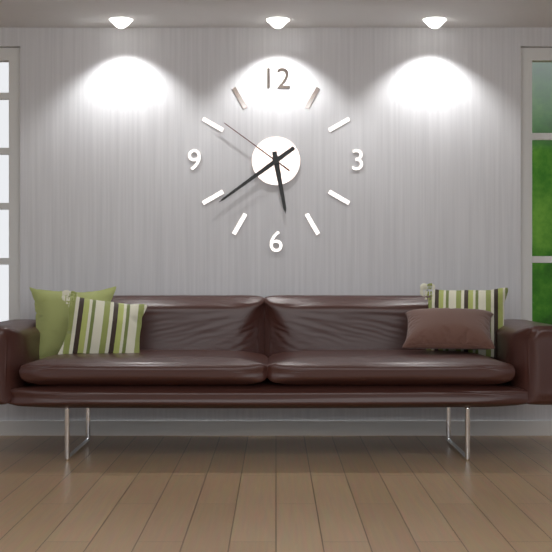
5 h 39 min 51 s
